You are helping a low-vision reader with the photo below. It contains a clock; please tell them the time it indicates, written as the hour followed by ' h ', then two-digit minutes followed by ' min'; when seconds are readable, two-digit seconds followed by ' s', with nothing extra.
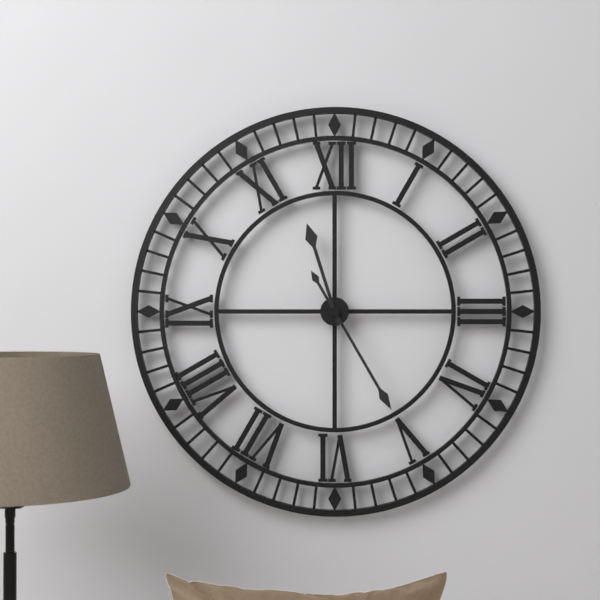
11 h 25 min
